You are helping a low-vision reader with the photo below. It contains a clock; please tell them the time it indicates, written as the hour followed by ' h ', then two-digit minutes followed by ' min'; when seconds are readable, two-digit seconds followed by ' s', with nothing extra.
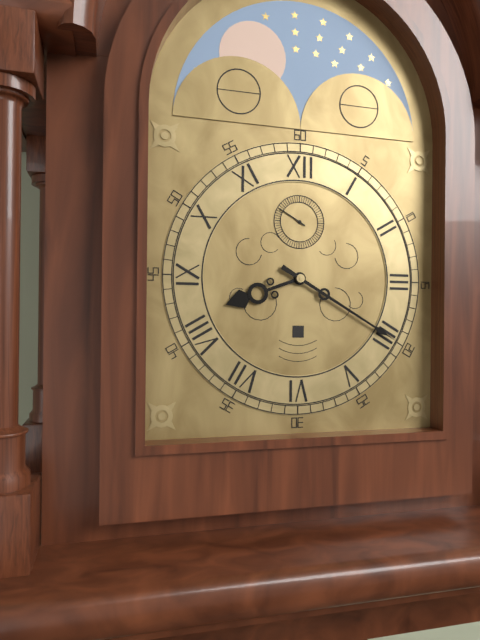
8 h 20 min
